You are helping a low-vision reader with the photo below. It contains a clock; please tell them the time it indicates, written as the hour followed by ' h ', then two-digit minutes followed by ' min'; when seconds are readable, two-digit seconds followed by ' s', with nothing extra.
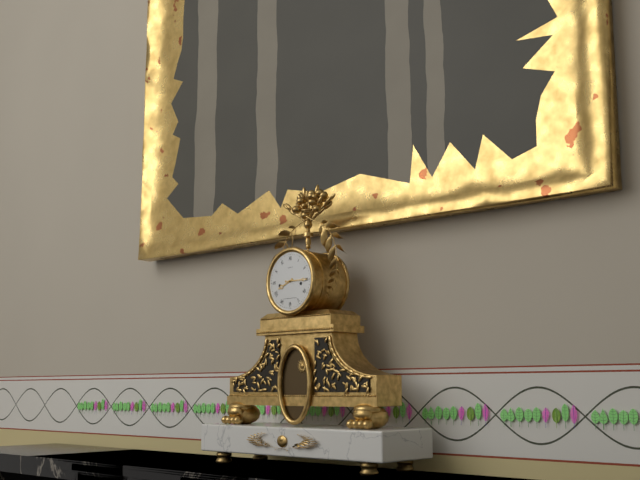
8 h 15 min
